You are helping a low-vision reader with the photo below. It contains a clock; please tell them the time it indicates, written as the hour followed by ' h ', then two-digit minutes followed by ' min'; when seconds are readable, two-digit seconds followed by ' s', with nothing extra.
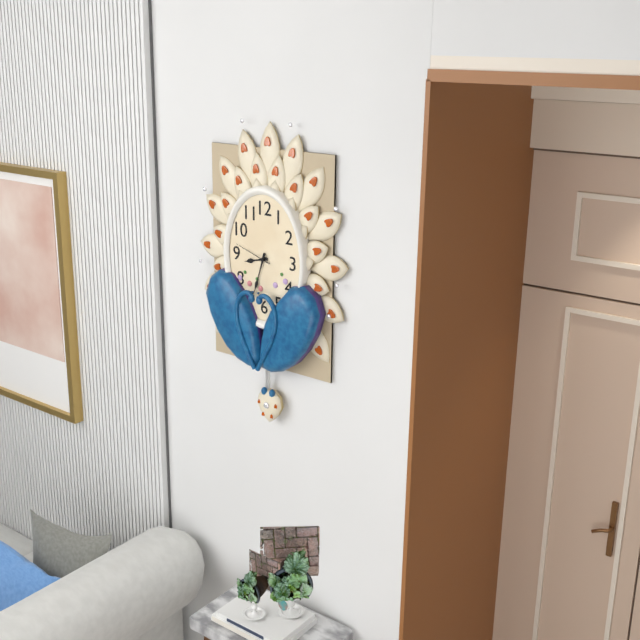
8 h 33 min
